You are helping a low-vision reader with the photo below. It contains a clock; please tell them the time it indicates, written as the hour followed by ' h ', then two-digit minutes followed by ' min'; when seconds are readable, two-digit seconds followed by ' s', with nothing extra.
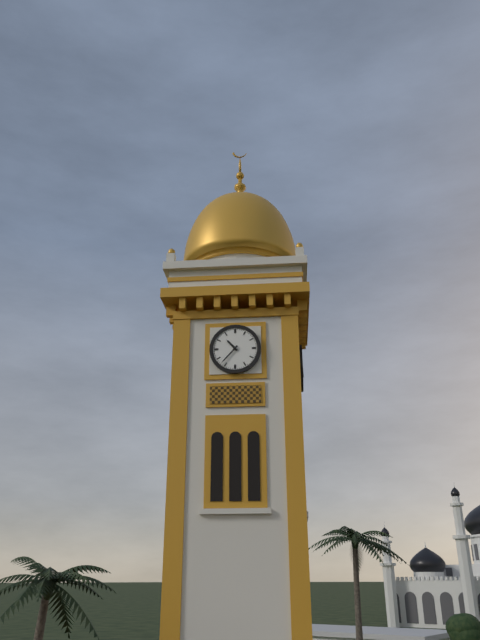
10 h 37 min
